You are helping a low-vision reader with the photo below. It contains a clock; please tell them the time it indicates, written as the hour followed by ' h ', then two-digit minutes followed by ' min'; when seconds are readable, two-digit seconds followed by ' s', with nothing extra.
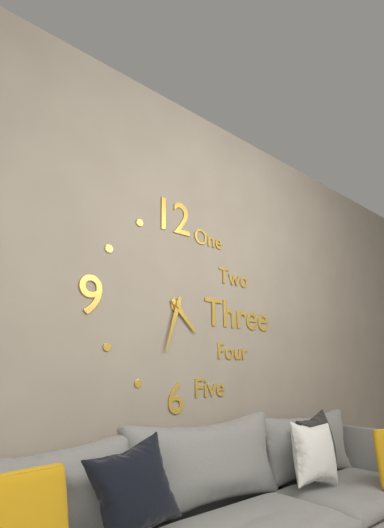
4 h 33 min
